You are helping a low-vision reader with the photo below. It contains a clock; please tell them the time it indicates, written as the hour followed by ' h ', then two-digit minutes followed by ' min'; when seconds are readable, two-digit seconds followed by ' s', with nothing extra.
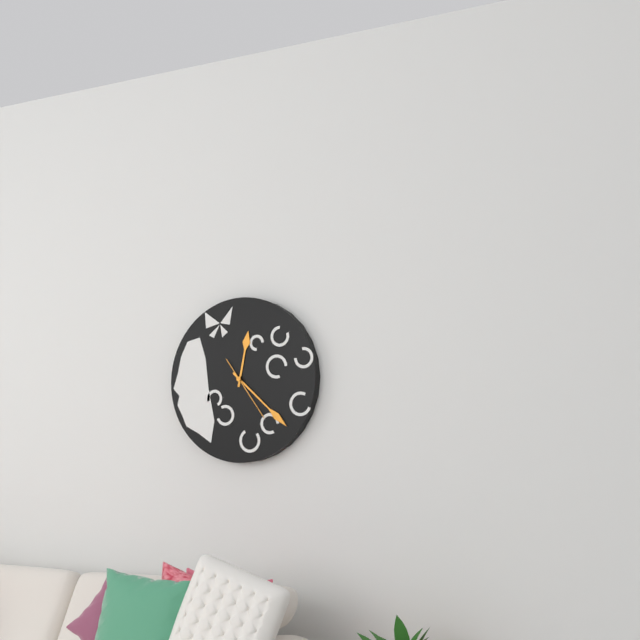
12 h 22 min 24 s
